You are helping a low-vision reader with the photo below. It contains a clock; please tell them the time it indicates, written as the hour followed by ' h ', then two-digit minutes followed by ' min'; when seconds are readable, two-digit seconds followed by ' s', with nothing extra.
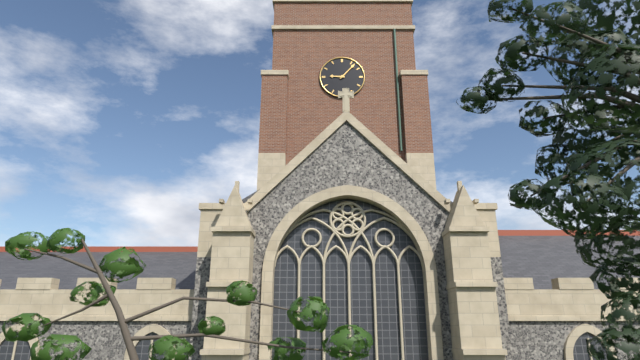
9 h 07 min
